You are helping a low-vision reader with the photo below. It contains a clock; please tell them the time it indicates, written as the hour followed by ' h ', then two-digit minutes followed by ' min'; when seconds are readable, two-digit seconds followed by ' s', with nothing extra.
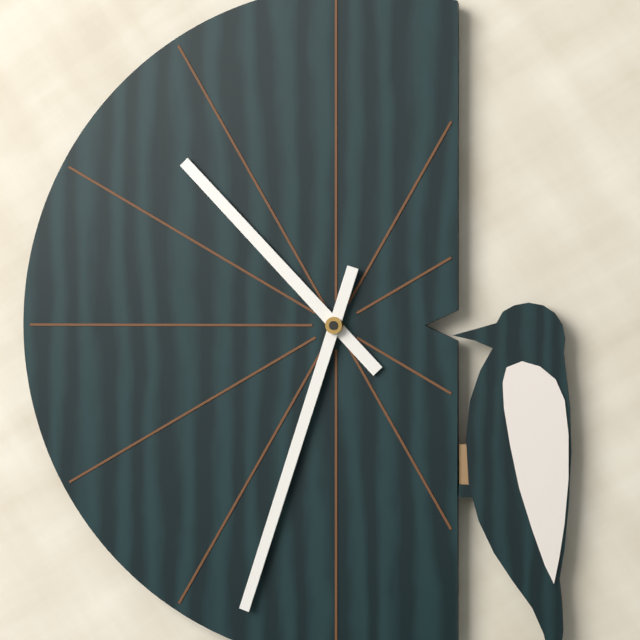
10 h 33 min
